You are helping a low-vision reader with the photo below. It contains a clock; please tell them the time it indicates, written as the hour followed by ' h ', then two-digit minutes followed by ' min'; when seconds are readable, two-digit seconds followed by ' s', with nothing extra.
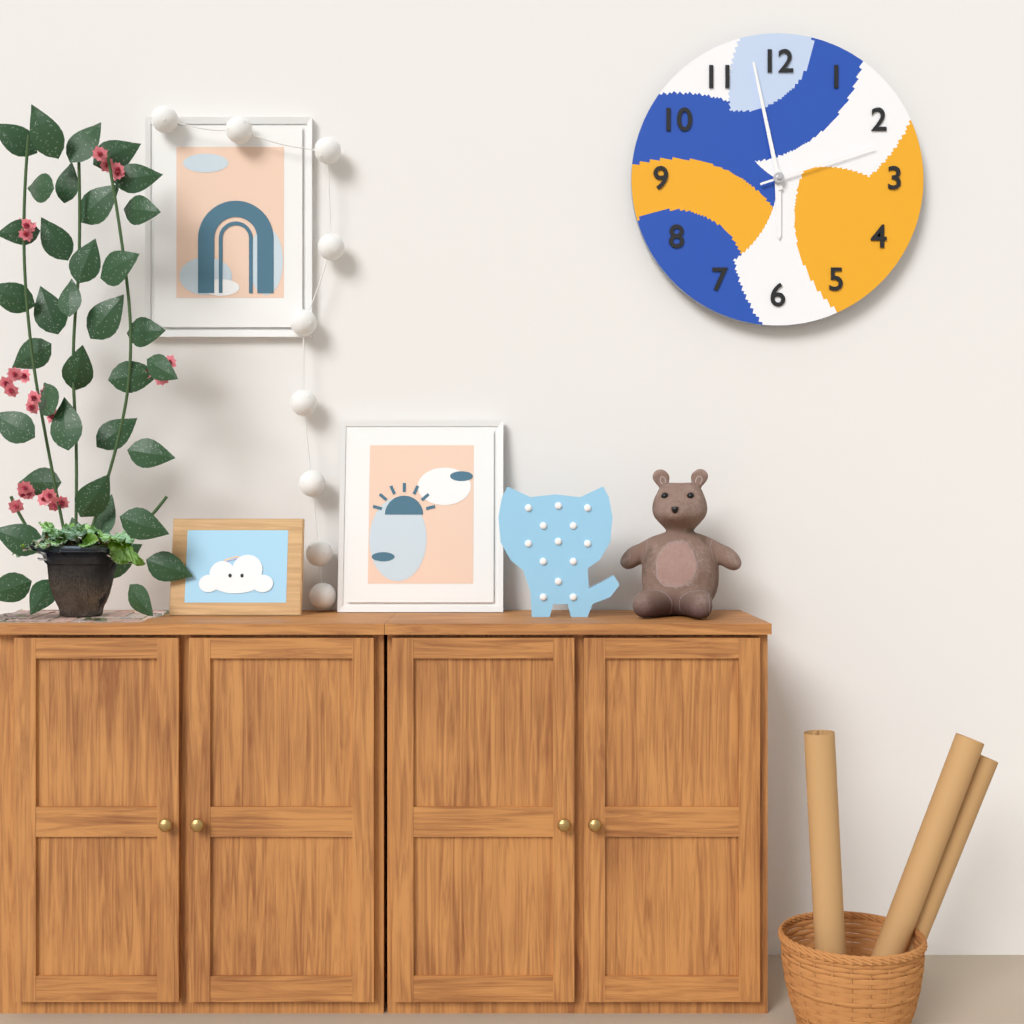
5 h 58 min 12 s
